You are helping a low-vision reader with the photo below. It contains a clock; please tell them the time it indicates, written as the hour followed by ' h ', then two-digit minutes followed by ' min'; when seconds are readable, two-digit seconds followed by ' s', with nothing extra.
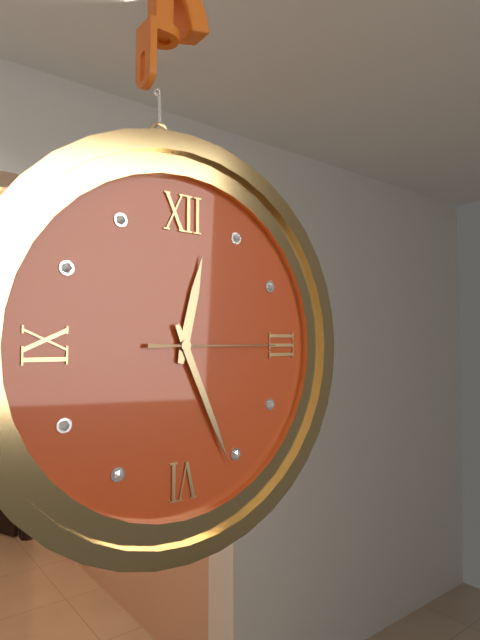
12 h 26 min 15 s
